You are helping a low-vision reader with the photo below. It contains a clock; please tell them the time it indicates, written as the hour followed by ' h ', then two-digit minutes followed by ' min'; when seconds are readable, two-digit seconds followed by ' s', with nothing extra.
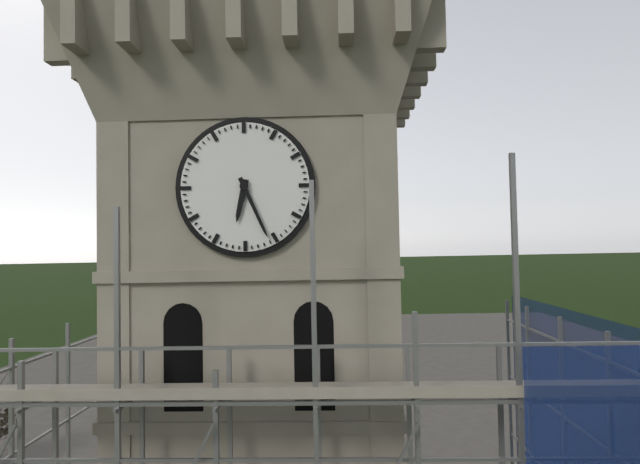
6 h 26 min
